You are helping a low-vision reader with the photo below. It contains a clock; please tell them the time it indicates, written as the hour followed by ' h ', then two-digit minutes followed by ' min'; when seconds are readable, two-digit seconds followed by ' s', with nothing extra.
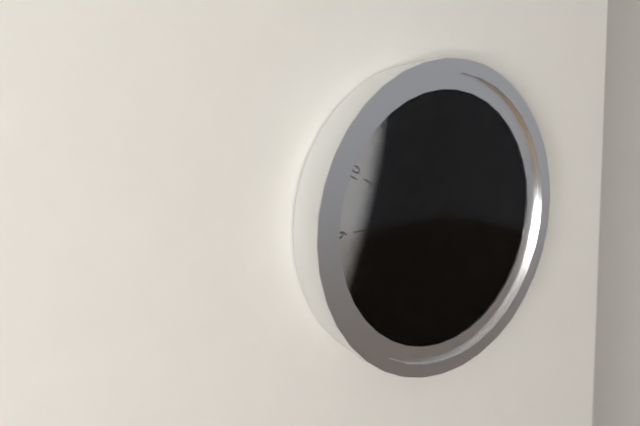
1 h 31 min 04 s
